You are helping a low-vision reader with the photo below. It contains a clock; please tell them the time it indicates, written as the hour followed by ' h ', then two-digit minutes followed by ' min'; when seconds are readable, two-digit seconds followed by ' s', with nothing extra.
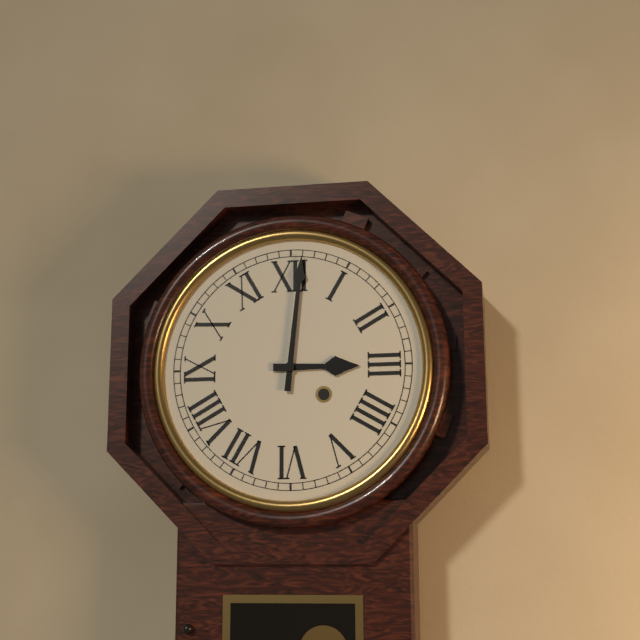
3 h 01 min
